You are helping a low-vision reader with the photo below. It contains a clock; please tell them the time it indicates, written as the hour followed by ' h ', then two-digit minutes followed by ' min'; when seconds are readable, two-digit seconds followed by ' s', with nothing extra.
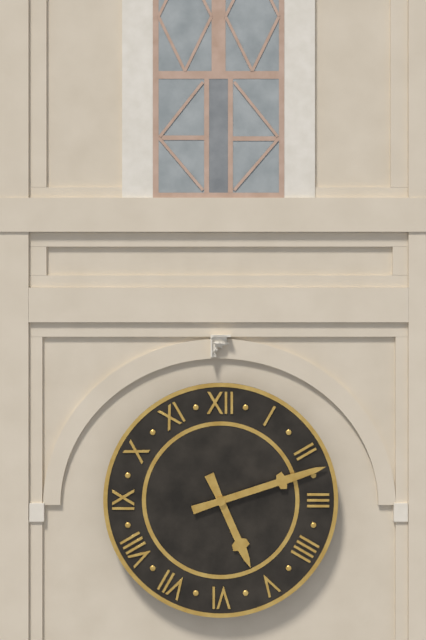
5 h 12 min
